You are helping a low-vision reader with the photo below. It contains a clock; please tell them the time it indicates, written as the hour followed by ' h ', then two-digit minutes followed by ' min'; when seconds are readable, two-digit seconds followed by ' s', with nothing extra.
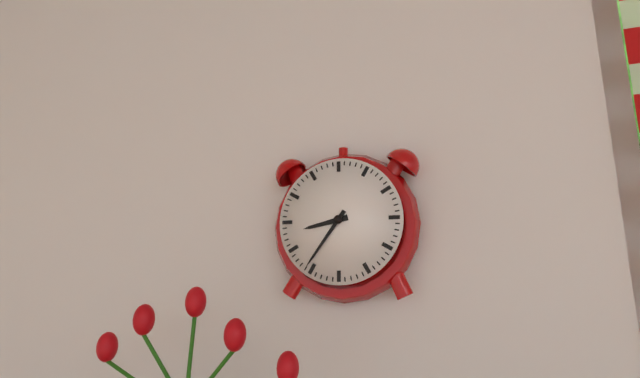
8 h 36 min
